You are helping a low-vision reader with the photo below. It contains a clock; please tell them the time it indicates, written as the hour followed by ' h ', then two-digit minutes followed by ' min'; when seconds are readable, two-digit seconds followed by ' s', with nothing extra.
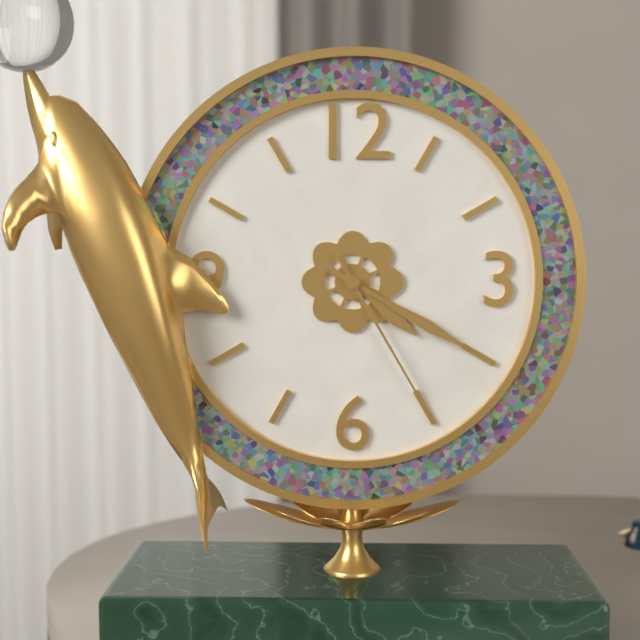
4 h 20 min 25 s
